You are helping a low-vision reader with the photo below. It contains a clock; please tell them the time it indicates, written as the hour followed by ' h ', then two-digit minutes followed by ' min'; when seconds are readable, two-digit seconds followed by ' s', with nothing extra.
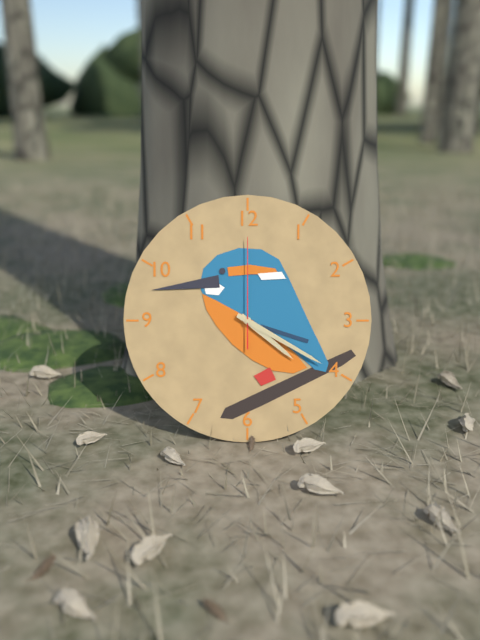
4 h 20 min 00 s
